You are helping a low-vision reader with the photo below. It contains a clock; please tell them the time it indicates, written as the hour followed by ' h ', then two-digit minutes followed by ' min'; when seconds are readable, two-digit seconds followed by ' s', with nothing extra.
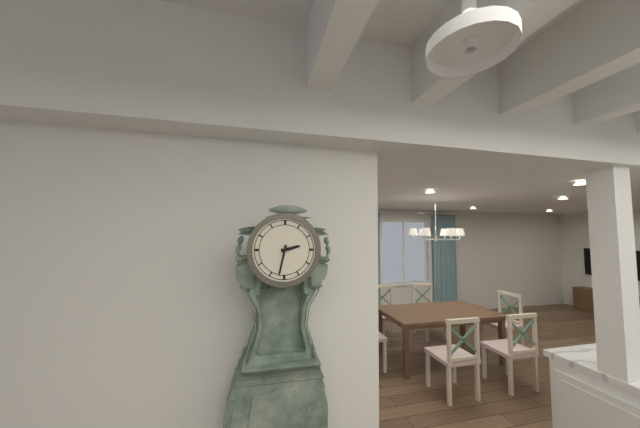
2 h 32 min
